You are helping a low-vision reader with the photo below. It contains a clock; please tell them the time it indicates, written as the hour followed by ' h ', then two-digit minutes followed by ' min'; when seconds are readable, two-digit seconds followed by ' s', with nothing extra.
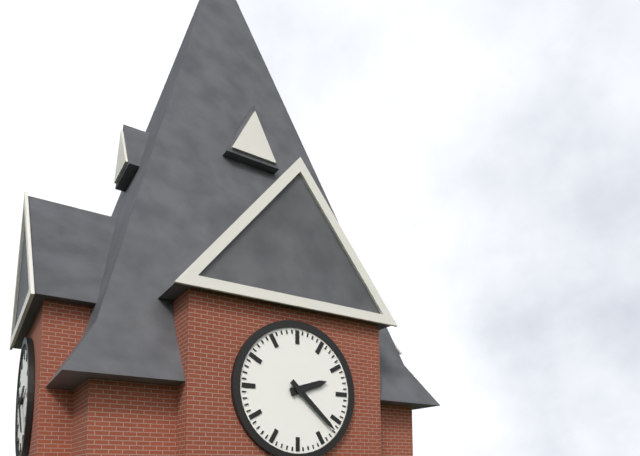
2 h 22 min
